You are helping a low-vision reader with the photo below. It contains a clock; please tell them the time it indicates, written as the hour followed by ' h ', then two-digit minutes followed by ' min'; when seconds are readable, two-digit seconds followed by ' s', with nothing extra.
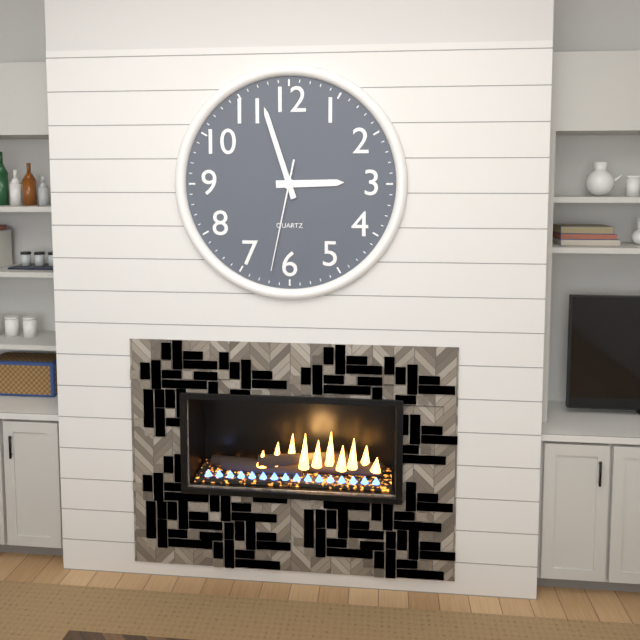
2 h 57 min 32 s
